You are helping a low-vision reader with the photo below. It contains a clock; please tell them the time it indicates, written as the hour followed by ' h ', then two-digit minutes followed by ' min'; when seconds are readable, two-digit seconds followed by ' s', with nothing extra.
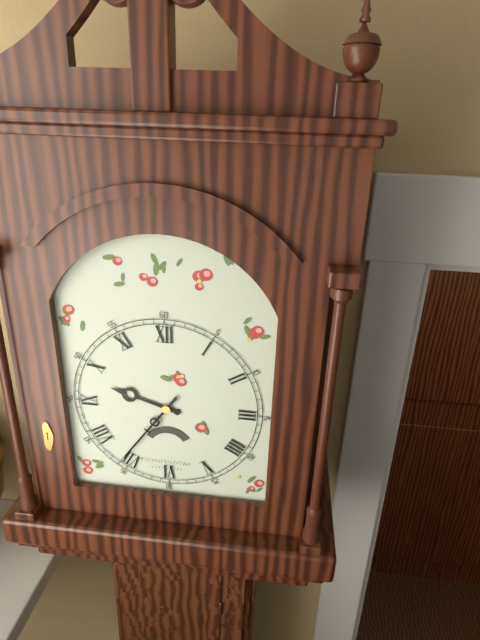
9 h 36 min
